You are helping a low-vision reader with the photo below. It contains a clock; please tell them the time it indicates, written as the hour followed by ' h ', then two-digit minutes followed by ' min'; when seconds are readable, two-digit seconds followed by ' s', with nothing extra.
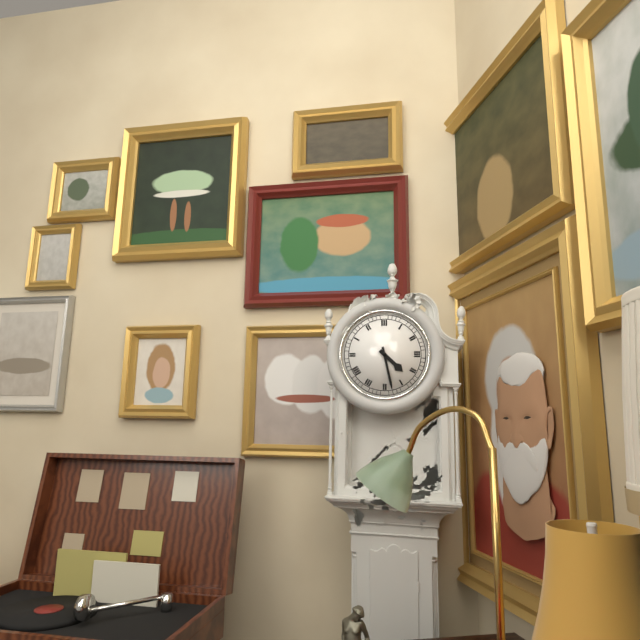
4 h 28 min
